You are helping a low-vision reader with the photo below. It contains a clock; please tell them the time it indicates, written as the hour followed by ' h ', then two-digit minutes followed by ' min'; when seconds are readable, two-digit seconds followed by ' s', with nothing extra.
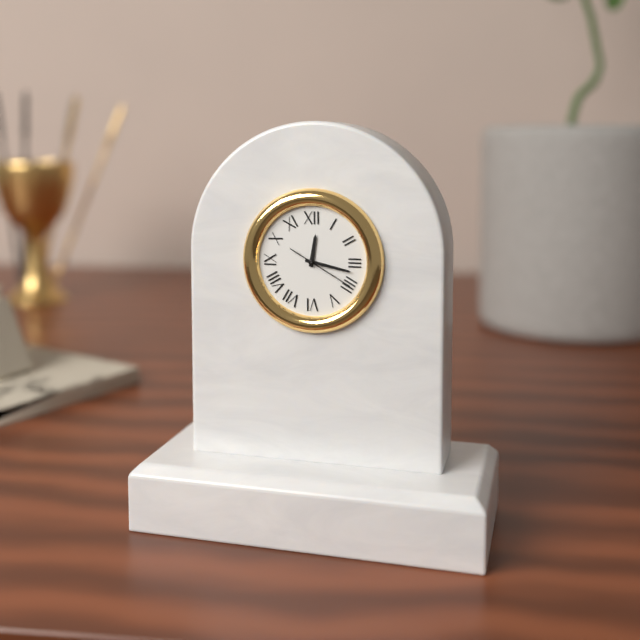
12 h 17 min 20 s
